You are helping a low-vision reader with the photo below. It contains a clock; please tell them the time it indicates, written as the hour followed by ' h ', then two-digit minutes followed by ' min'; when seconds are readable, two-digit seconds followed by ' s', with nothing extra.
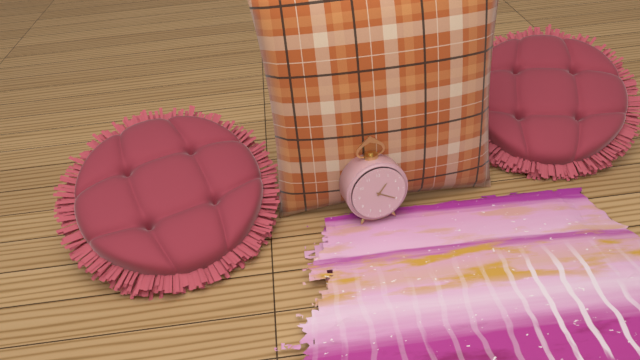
1 h 20 min
